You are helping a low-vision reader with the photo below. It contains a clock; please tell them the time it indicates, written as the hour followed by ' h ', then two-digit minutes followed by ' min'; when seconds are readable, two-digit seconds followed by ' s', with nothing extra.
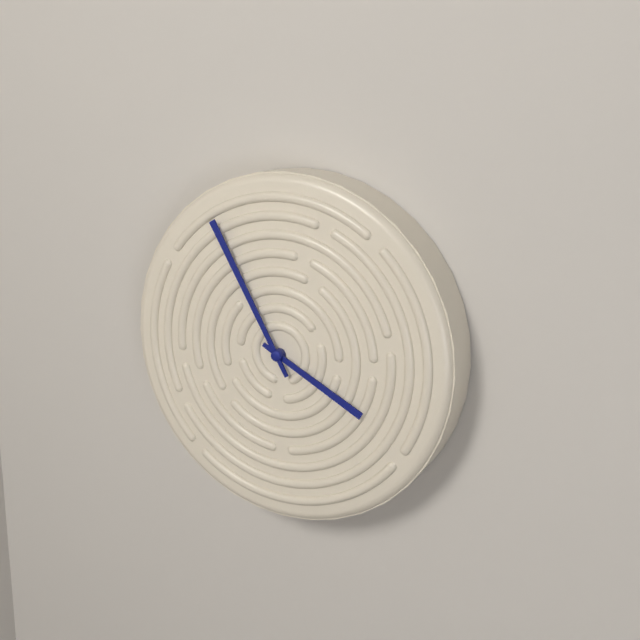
3 h 55 min
